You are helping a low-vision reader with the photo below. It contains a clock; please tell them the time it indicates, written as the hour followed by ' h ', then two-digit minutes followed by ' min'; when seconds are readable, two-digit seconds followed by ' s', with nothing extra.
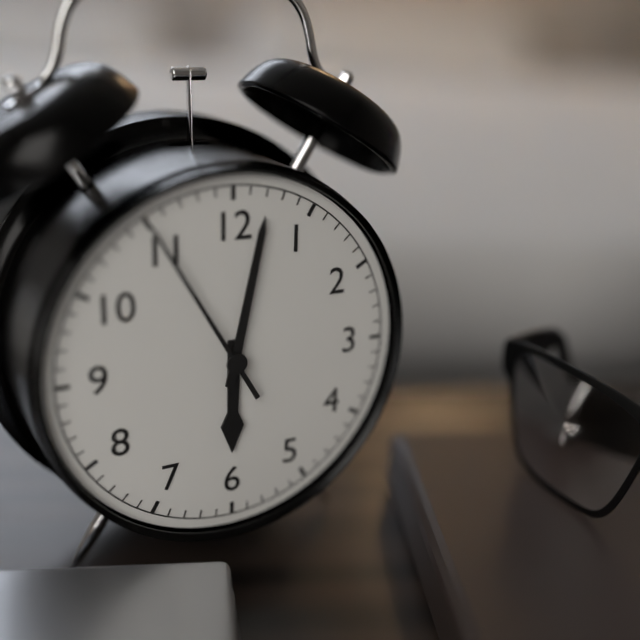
6 h 02 min 55 s
